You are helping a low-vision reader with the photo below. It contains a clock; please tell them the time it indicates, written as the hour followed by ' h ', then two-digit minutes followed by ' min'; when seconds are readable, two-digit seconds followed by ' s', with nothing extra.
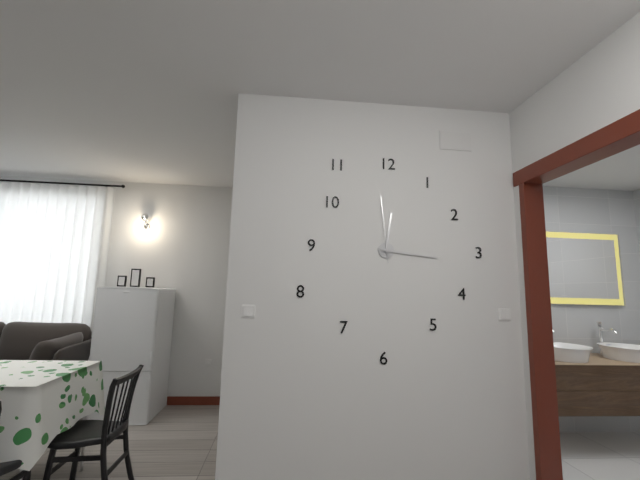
12 h 16 min 59 s
